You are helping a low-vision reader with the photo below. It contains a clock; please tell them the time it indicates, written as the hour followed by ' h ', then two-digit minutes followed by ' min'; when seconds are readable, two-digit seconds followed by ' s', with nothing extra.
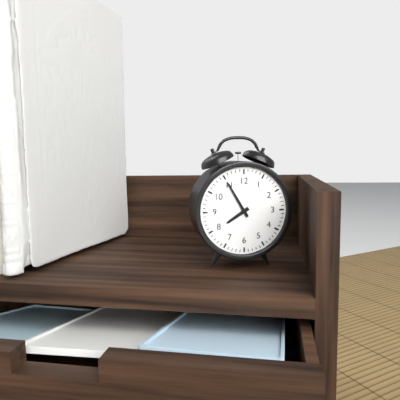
7 h 55 min
